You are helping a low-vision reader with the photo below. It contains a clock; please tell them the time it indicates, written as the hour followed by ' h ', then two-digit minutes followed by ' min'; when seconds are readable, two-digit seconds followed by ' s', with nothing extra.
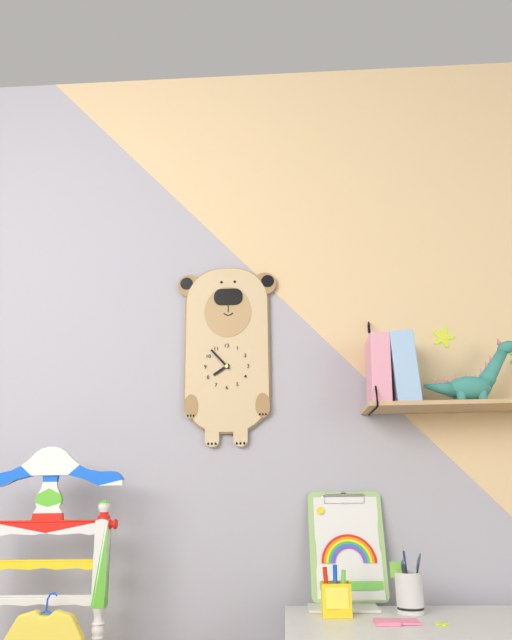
7 h 53 min
